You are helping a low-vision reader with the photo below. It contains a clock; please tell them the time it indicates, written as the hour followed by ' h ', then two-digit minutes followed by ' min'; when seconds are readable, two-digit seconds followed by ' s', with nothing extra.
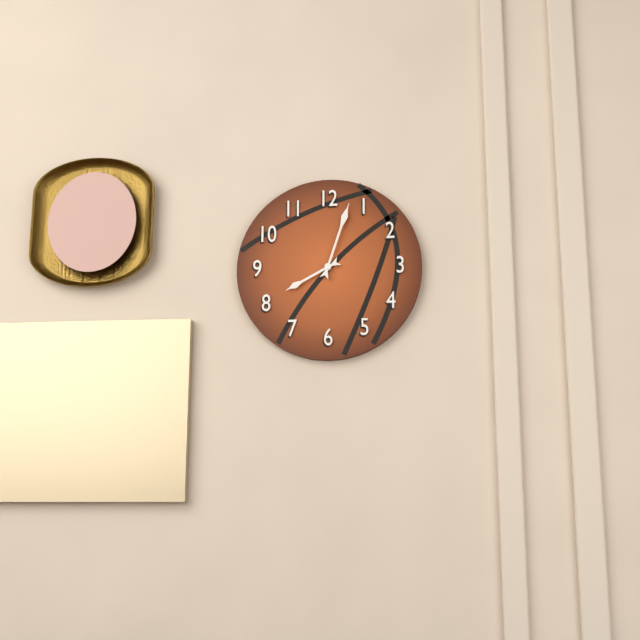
8 h 03 min
